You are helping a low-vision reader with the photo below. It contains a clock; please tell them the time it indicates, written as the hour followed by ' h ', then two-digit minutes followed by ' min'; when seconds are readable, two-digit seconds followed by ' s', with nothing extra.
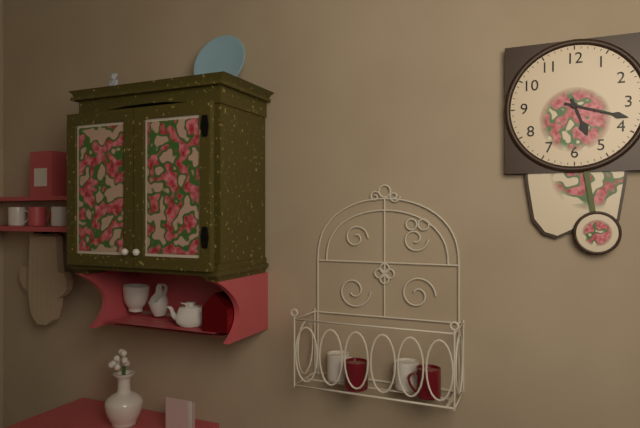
5 h 18 min
